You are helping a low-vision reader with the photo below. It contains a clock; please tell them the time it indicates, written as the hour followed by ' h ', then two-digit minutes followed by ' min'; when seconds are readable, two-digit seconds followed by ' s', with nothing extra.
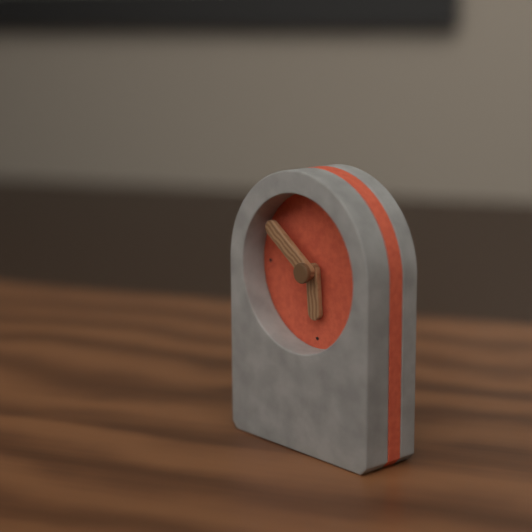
5 h 51 min
